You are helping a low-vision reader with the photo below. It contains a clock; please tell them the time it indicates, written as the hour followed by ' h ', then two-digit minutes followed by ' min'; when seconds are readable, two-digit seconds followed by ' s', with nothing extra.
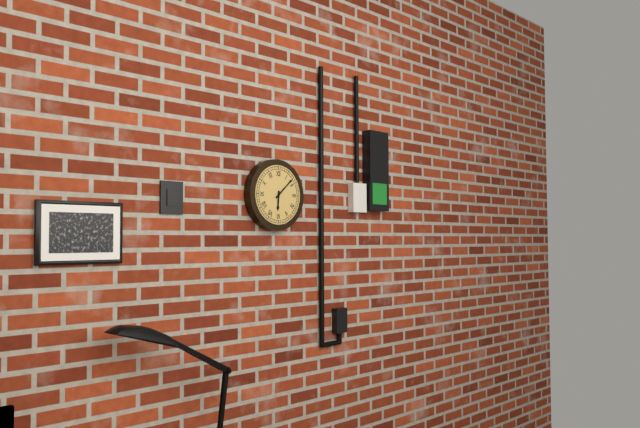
6 h 08 min
